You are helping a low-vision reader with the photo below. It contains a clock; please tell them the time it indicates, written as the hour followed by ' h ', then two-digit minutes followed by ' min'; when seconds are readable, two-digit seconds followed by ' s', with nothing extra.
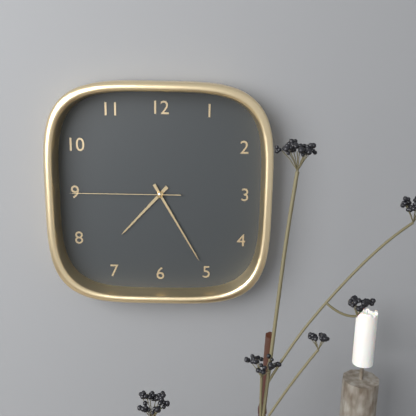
7 h 25 min 45 s
